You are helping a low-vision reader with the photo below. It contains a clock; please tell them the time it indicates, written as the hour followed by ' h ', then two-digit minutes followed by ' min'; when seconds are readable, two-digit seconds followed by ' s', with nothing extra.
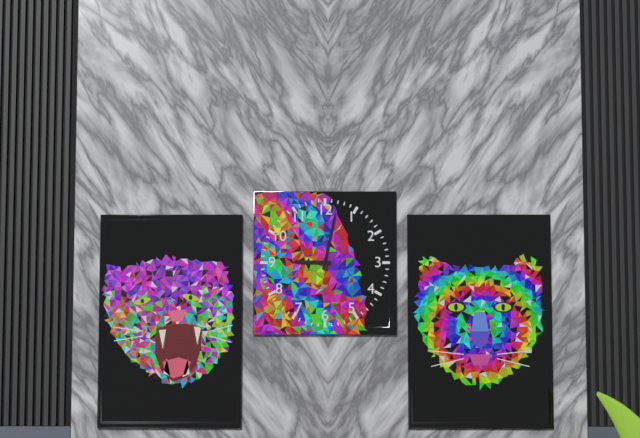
9 h 02 min
